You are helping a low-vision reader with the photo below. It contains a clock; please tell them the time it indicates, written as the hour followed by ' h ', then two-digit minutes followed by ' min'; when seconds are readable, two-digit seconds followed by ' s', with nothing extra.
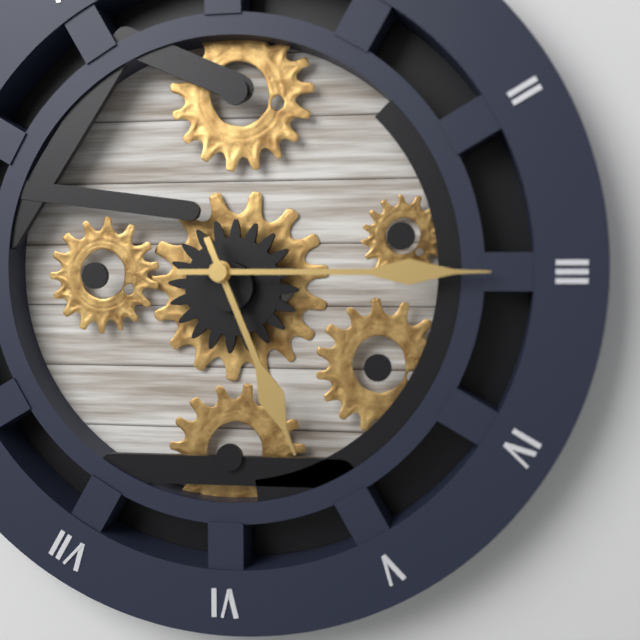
5 h 15 min
